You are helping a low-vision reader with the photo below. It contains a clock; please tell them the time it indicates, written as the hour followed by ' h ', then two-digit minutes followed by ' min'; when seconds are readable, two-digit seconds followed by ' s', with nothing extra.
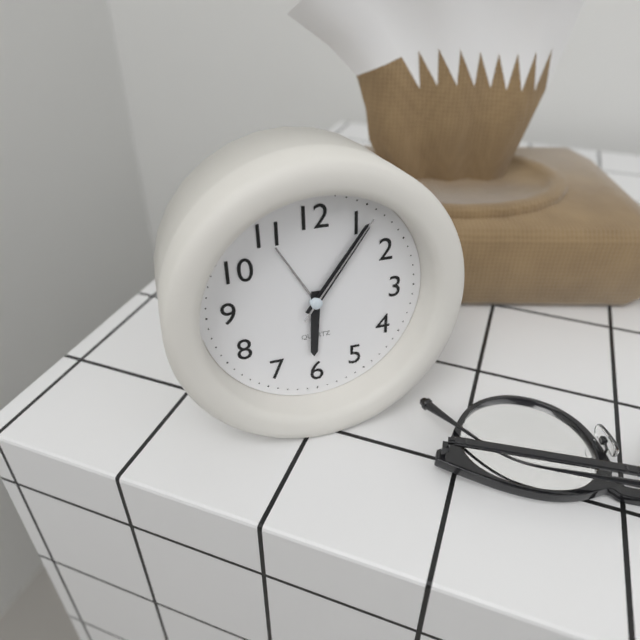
6 h 06 min 06 s
